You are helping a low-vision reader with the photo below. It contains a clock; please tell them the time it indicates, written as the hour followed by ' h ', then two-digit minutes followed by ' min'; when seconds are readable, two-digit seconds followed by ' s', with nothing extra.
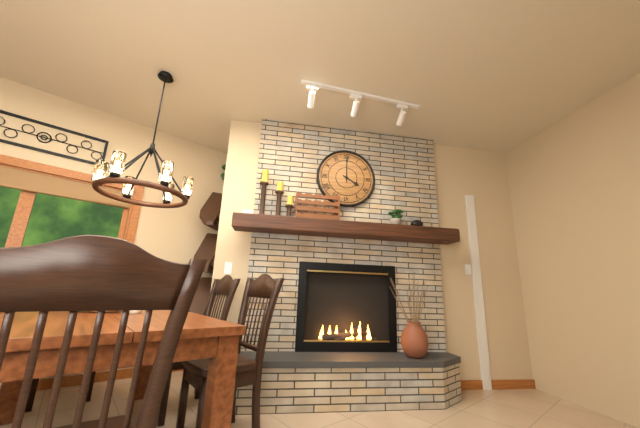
4 h 00 min
